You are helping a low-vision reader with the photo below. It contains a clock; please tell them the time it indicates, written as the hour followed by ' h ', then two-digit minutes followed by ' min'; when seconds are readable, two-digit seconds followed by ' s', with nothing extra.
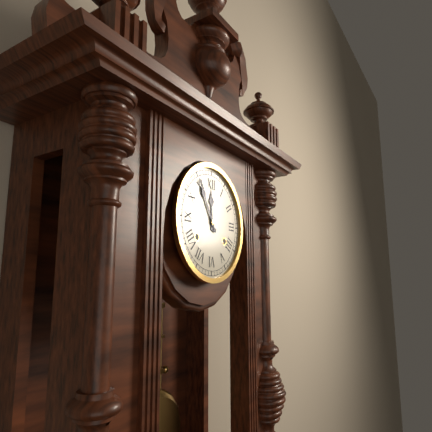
11 h 55 min
